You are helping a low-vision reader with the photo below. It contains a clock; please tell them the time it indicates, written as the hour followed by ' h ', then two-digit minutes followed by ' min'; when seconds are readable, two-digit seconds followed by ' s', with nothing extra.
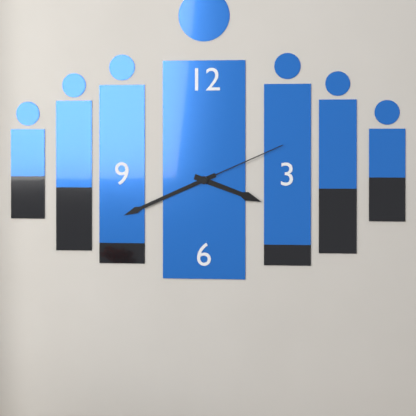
3 h 41 min 11 s
